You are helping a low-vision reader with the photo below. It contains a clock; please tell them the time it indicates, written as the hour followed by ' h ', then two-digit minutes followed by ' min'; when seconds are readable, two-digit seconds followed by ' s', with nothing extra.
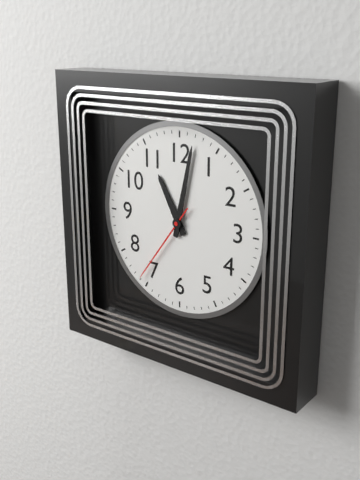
11 h 02 min 36 s
